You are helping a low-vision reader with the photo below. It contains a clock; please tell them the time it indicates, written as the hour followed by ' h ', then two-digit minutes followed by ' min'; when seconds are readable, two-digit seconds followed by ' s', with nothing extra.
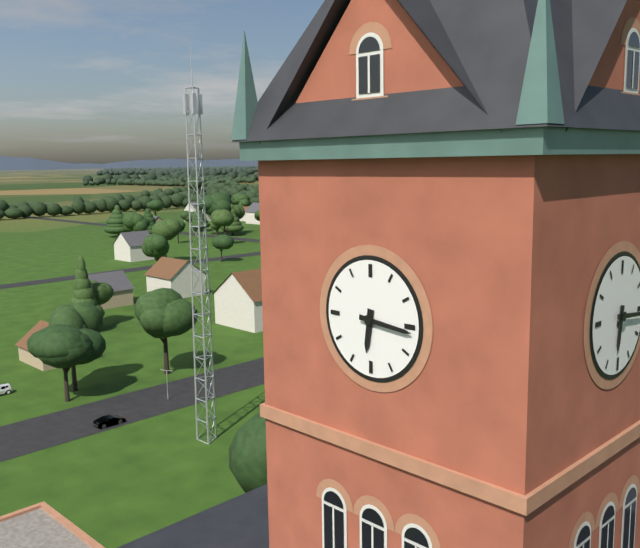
6 h 16 min
